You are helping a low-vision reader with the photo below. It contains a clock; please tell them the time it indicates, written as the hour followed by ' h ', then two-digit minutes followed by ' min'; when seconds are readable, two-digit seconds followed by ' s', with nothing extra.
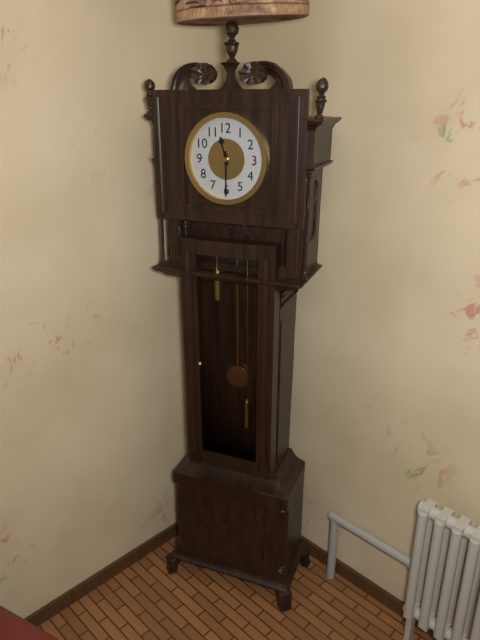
11 h 30 min
